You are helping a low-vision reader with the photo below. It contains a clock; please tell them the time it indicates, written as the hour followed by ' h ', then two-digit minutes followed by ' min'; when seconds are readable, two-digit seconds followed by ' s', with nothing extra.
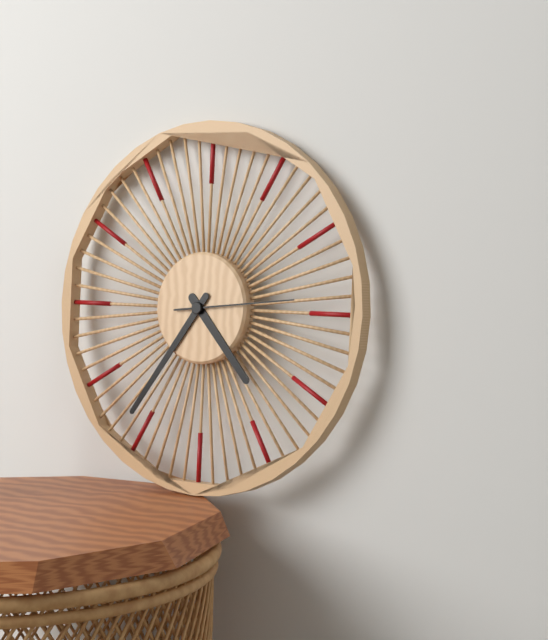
4 h 36 min 14 s
